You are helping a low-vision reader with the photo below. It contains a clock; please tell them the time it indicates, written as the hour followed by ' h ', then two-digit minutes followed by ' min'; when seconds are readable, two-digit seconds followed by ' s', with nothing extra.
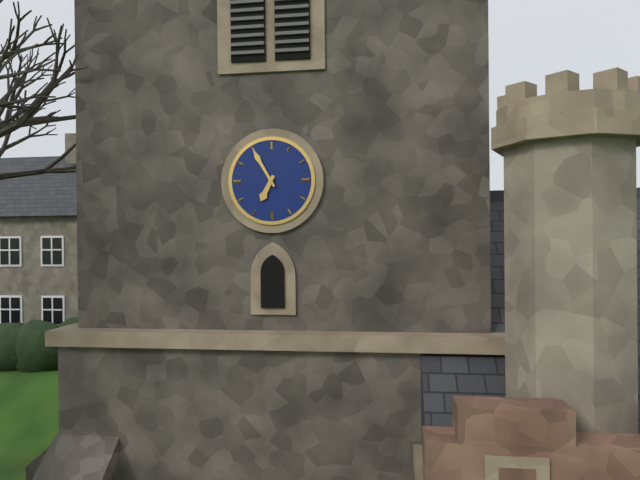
6 h 55 min
